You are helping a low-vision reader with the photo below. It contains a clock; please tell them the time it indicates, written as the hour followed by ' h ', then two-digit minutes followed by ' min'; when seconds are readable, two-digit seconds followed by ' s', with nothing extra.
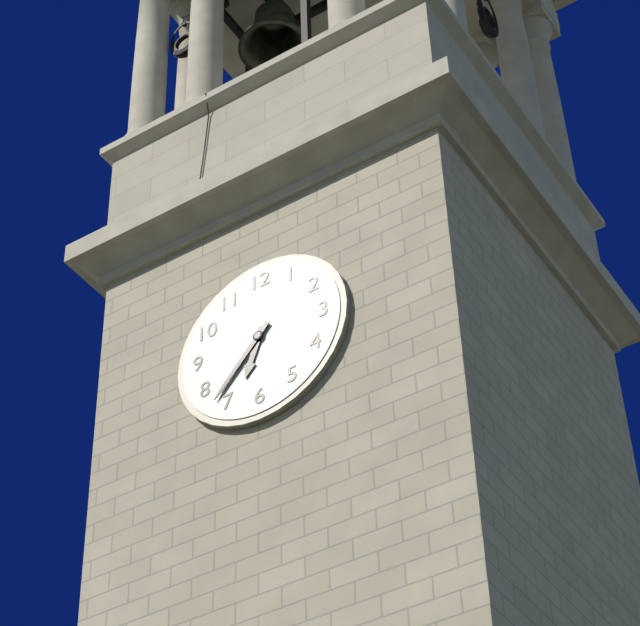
6 h 37 min
